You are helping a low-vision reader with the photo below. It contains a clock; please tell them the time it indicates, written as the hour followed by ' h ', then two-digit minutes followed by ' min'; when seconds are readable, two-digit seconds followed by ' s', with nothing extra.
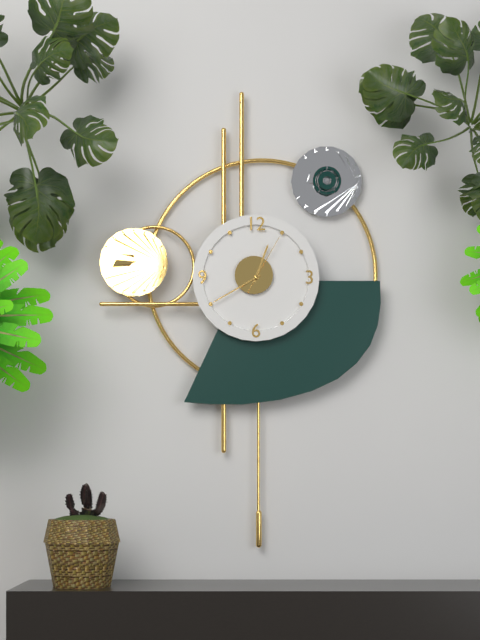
12 h 40 min 05 s
